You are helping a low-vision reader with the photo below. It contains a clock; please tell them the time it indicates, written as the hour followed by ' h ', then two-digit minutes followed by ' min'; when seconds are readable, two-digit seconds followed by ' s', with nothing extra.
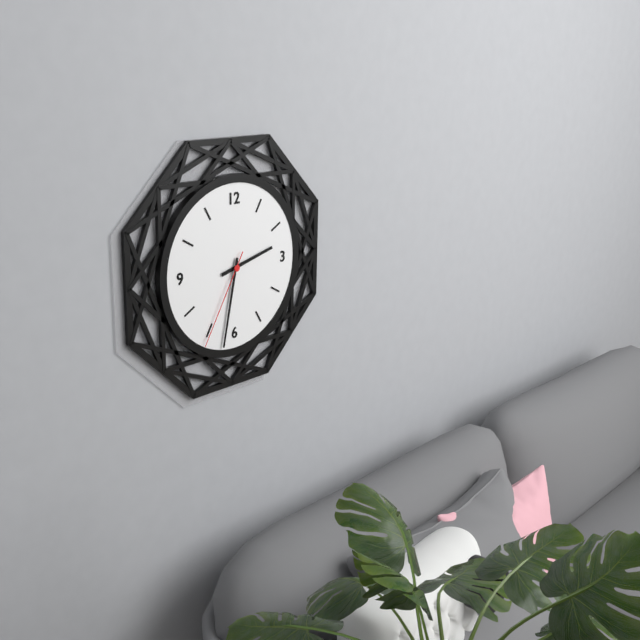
2 h 32 min 35 s
